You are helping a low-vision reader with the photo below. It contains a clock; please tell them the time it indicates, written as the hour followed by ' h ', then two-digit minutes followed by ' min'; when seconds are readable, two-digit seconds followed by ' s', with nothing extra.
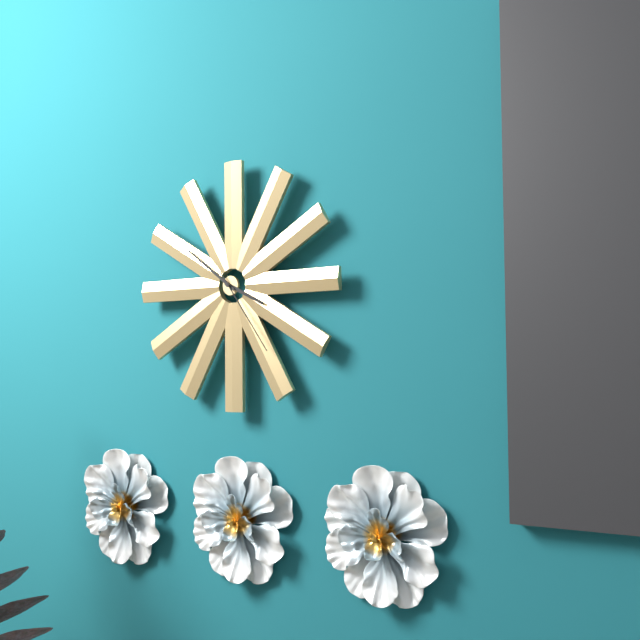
3 h 51 min 24 s
